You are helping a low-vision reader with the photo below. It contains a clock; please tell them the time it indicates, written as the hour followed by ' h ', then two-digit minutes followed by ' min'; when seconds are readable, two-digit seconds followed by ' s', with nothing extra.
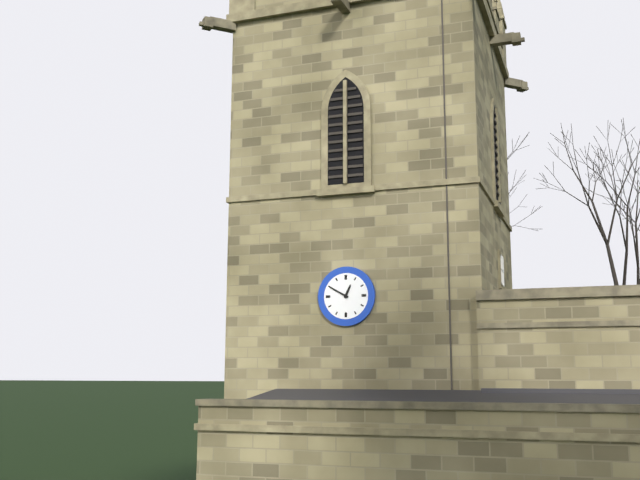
12 h 50 min
